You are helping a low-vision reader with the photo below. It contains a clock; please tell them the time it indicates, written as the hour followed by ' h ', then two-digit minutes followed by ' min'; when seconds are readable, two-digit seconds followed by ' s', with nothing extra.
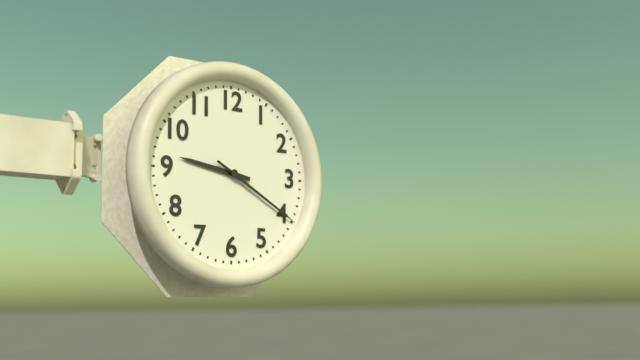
9 h 20 min
